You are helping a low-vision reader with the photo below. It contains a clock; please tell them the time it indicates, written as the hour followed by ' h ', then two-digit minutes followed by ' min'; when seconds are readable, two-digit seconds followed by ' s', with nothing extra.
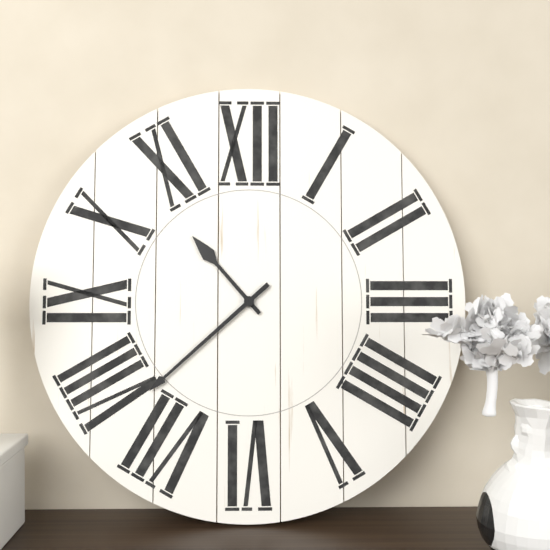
10 h 38 min
